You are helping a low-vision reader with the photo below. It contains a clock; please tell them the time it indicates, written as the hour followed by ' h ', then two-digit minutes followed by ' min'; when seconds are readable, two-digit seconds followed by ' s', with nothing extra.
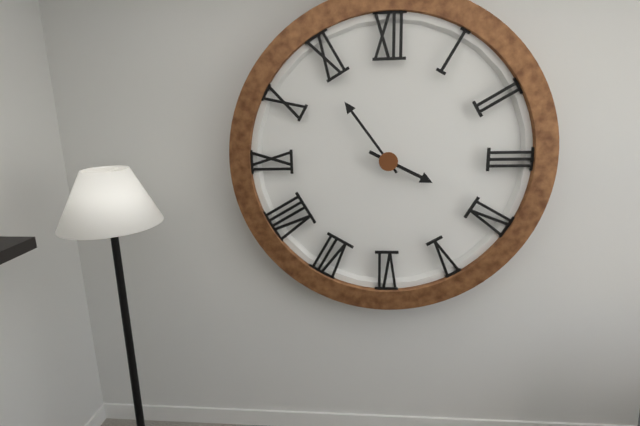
3 h 54 min
